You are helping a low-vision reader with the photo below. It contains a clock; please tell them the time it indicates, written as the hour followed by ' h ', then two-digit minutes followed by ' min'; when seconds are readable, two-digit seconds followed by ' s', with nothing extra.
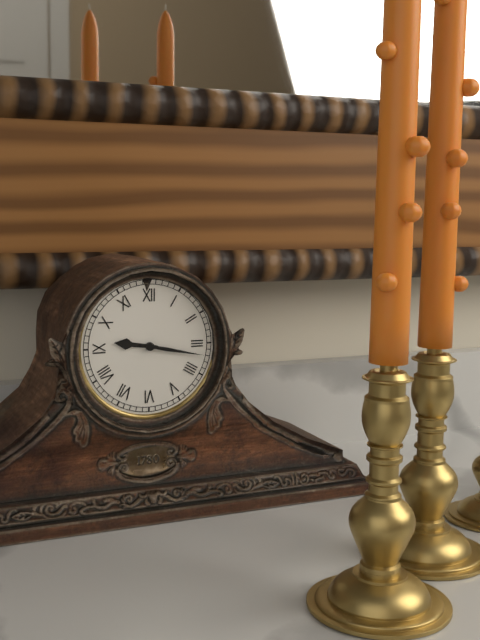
9 h 17 min
